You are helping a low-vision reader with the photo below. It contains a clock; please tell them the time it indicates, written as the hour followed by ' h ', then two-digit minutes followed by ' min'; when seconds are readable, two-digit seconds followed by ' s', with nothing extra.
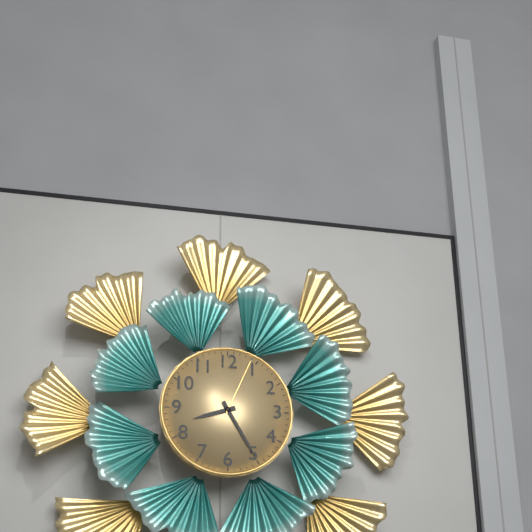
8 h 25 min 04 s
